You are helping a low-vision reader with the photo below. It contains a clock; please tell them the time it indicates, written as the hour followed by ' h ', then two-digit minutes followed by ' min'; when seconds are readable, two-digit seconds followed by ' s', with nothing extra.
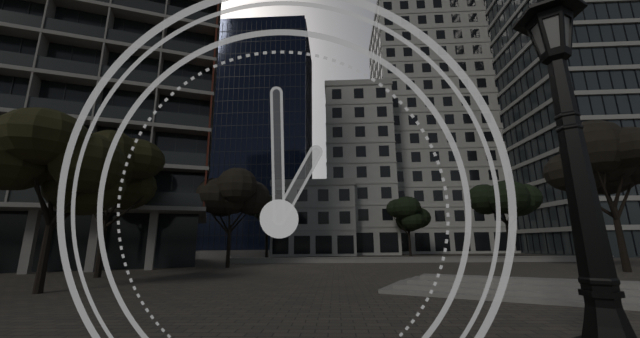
1 h 00 min
